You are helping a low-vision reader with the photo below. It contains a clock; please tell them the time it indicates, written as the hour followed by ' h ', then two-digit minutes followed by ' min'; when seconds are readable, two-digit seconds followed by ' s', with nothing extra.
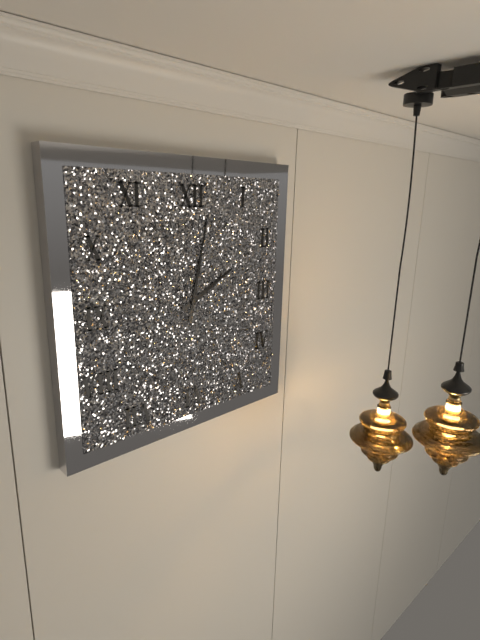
2 h 02 min
